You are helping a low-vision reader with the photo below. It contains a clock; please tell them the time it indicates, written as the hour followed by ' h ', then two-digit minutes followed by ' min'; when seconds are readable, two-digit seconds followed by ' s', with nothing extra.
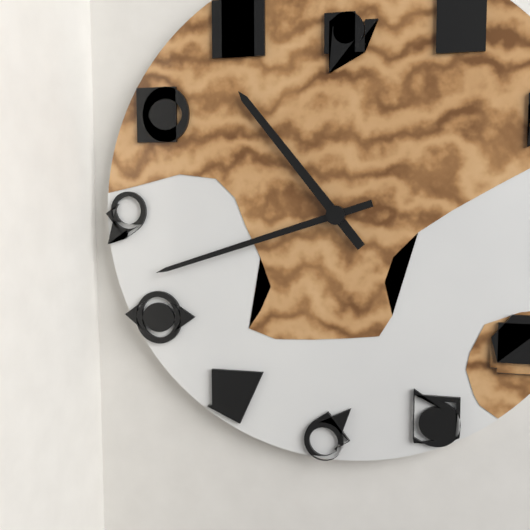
10 h 42 min
